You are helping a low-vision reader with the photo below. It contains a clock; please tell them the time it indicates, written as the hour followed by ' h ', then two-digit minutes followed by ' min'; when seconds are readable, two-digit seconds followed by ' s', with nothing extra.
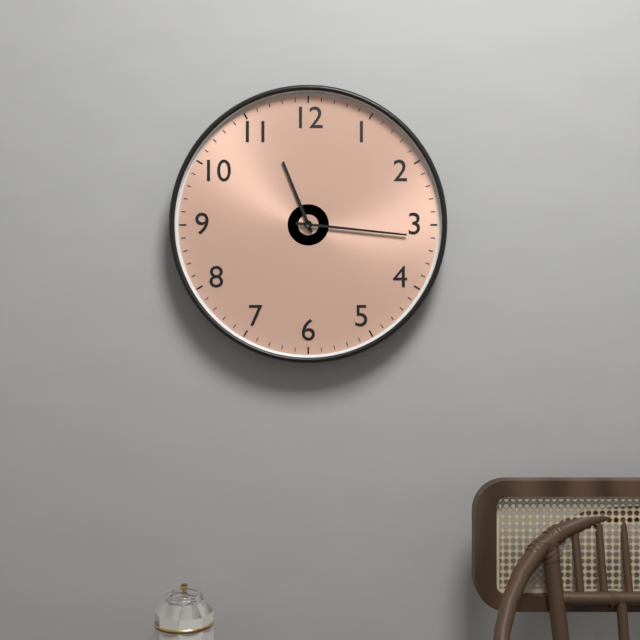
11 h 16 min
